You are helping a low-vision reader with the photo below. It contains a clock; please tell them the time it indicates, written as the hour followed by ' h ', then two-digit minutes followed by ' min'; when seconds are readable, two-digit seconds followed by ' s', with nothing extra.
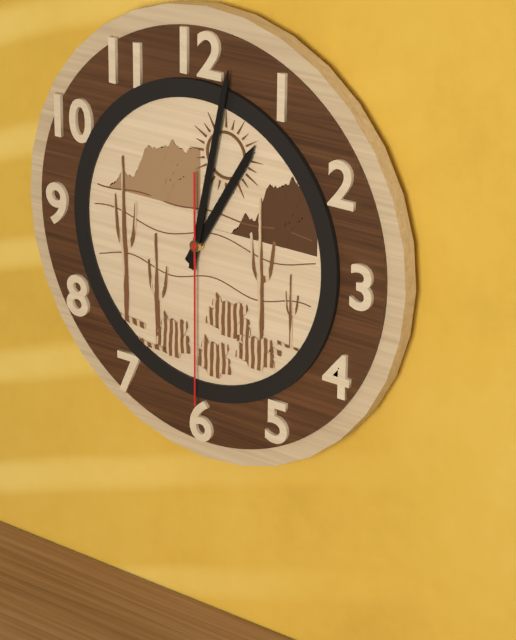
1 h 02 min 30 s
